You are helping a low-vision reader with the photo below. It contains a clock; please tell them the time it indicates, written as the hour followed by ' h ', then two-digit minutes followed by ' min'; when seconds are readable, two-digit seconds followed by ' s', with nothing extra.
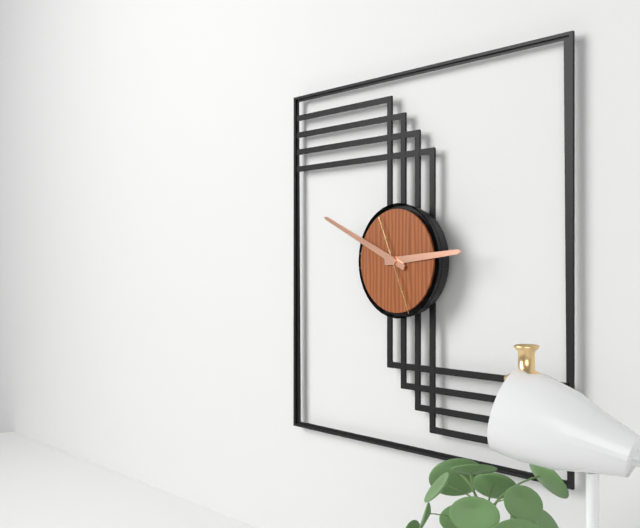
2 h 49 min 26 s
